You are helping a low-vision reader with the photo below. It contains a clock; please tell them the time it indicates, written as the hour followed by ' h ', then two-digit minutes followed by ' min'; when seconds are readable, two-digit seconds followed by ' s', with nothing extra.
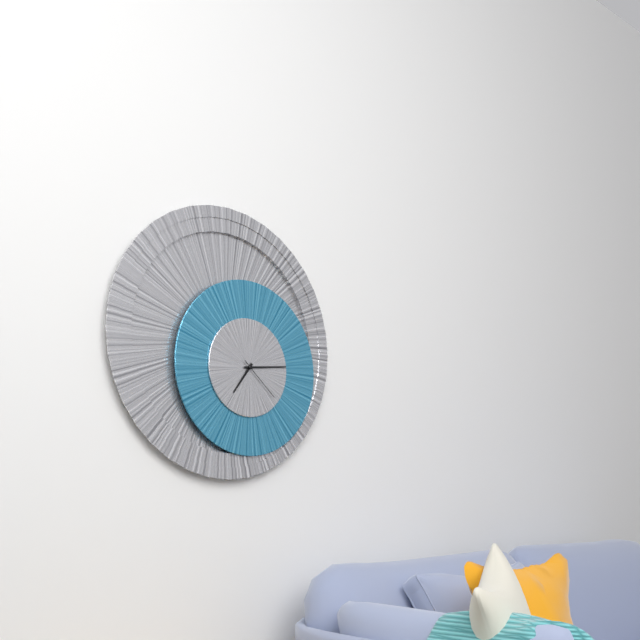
7 h 14 min
